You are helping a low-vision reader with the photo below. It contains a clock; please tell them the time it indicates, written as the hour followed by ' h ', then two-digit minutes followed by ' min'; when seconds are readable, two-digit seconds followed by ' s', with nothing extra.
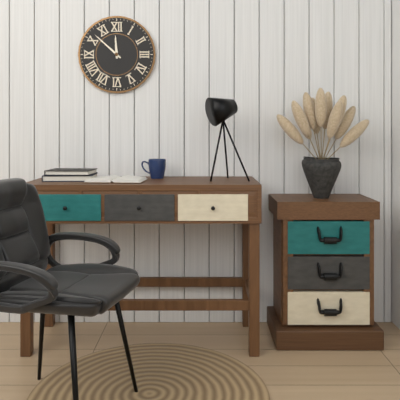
11 h 52 min
